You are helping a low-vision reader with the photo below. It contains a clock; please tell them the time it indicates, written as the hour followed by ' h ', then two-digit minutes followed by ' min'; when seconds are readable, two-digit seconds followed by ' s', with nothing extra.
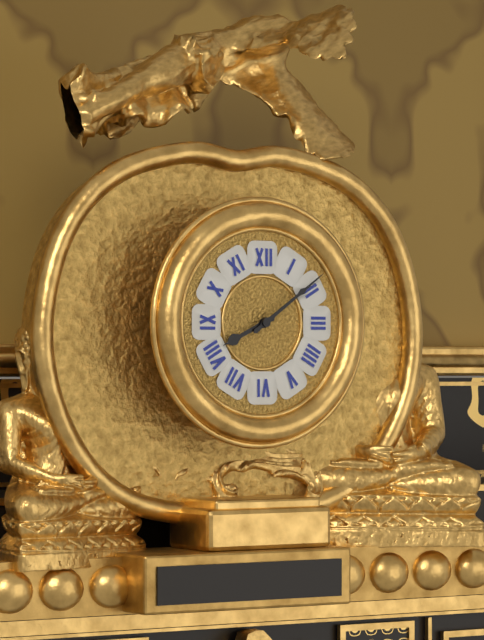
8 h 09 min
